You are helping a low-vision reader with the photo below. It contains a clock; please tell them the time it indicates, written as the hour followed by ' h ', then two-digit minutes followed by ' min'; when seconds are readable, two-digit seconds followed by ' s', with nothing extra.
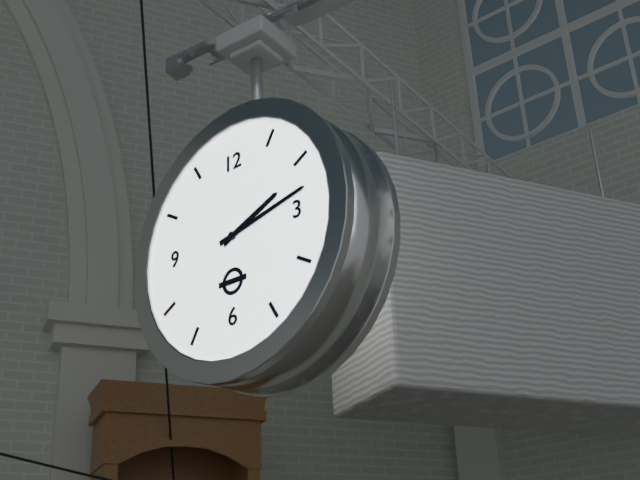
2 h 13 min
